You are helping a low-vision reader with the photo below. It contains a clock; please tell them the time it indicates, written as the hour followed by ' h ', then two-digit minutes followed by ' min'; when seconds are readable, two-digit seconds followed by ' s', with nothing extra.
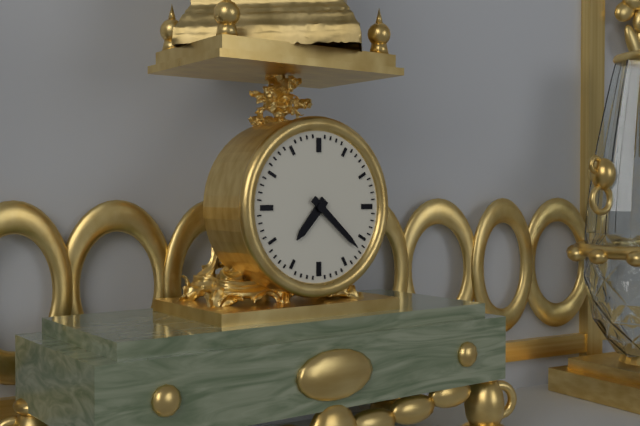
7 h 22 min
